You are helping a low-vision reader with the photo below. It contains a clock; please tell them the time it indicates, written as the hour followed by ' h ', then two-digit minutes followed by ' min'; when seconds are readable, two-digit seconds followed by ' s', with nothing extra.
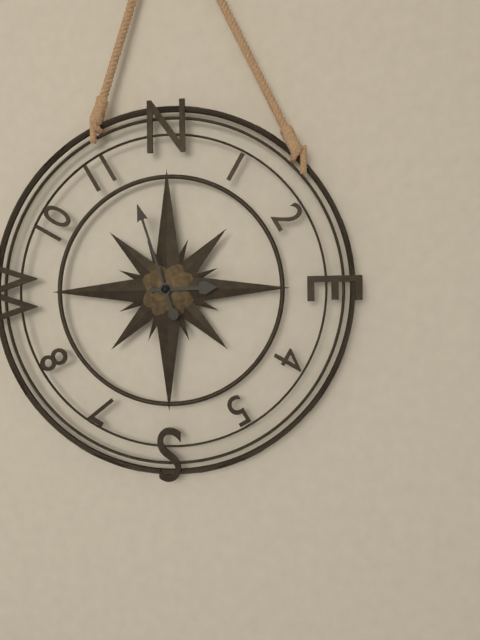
2 h 57 min
